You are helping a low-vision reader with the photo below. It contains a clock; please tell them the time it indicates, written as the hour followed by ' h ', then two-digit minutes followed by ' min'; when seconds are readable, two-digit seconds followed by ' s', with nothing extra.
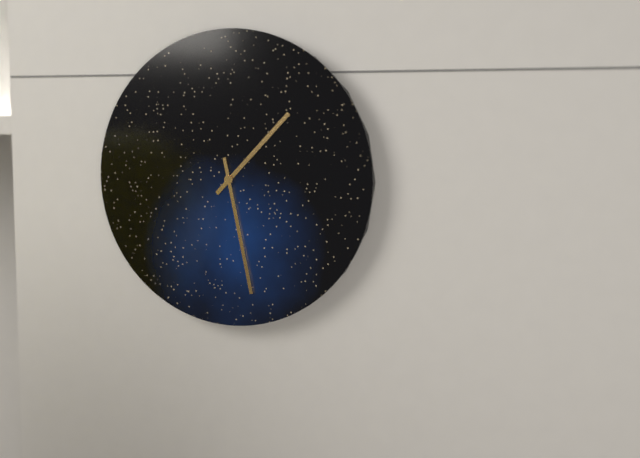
1 h 28 min
